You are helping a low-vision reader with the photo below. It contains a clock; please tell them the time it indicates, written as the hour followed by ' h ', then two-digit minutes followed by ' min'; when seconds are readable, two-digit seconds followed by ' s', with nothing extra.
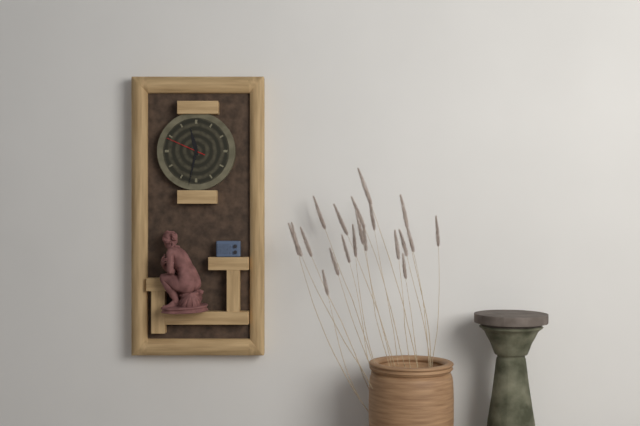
11 h 32 min
